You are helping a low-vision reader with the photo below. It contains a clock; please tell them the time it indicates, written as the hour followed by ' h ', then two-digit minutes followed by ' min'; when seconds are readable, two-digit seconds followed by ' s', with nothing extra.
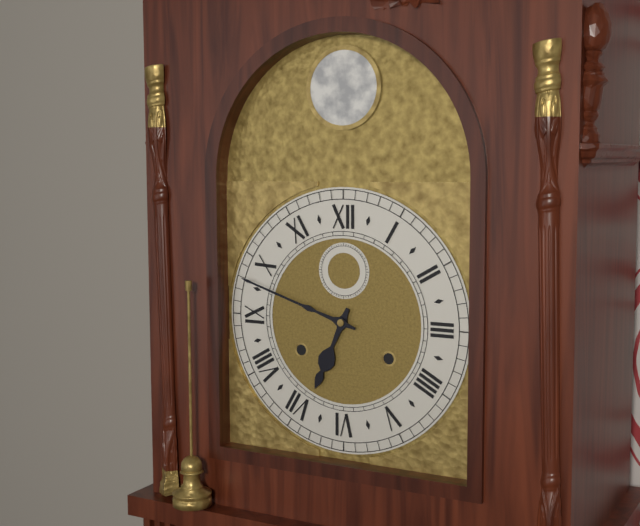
6 h 48 min
